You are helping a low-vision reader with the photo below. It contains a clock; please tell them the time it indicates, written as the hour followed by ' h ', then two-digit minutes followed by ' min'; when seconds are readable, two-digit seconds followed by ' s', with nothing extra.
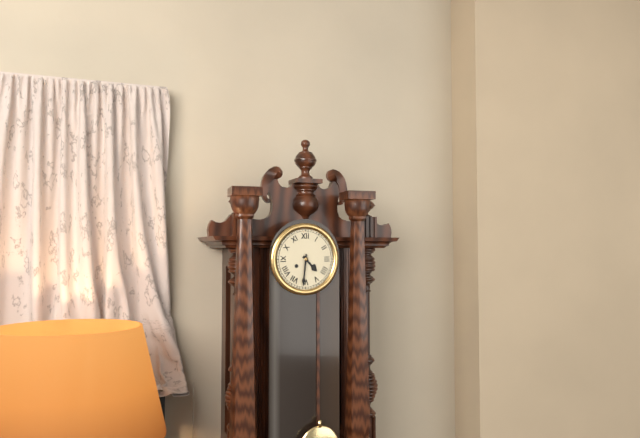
4 h 31 min
